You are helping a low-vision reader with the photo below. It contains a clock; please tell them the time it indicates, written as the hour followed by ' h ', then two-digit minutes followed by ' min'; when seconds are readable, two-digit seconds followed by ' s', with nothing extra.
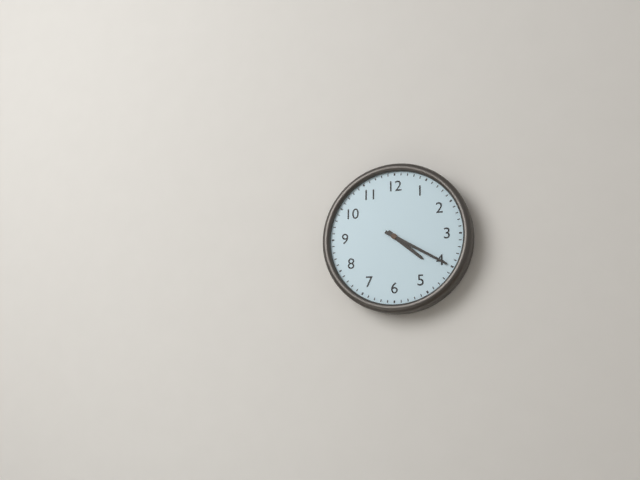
4 h 20 min
